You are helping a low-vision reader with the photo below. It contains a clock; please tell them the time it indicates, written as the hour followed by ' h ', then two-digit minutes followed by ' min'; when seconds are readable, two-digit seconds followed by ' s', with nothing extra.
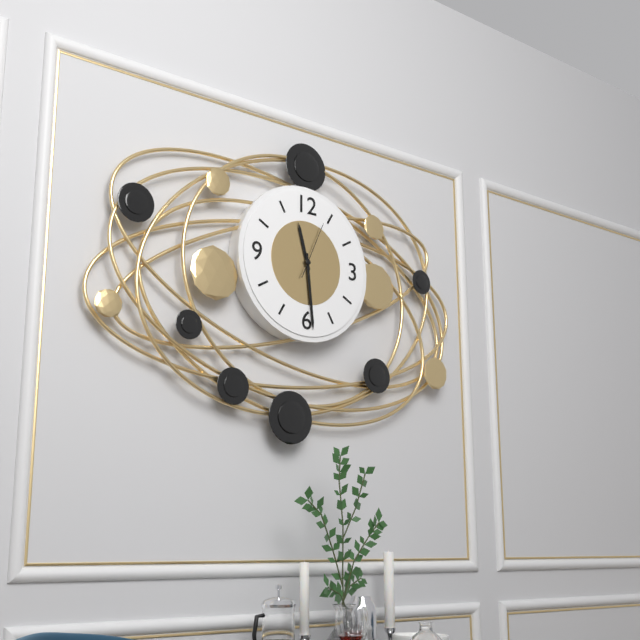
11 h 29 min 04 s
